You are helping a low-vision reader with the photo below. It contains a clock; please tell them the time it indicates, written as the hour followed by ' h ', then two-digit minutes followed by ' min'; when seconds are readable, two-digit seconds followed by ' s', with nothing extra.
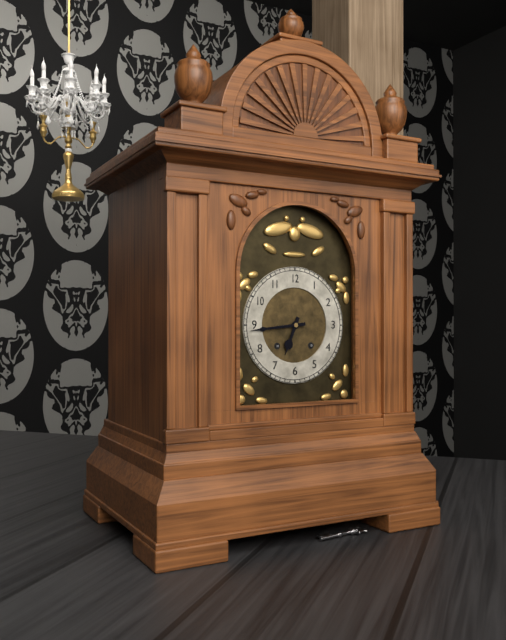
6 h 44 min
